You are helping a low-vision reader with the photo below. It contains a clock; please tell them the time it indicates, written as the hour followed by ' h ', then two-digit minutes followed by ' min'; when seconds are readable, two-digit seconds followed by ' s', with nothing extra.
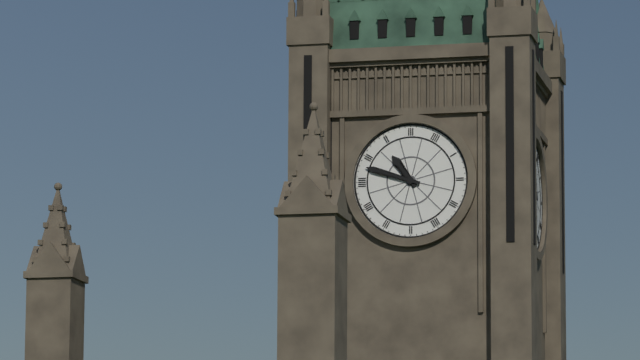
10 h 48 min
